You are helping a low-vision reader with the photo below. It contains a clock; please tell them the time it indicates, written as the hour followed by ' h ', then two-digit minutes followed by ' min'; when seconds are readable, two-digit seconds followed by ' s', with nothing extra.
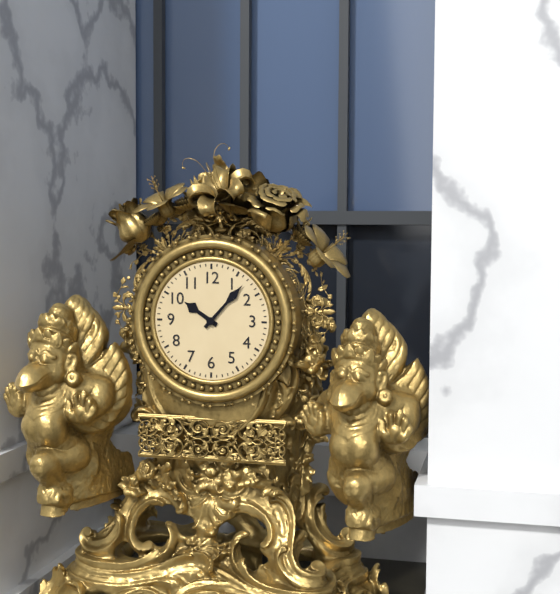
10 h 07 min
